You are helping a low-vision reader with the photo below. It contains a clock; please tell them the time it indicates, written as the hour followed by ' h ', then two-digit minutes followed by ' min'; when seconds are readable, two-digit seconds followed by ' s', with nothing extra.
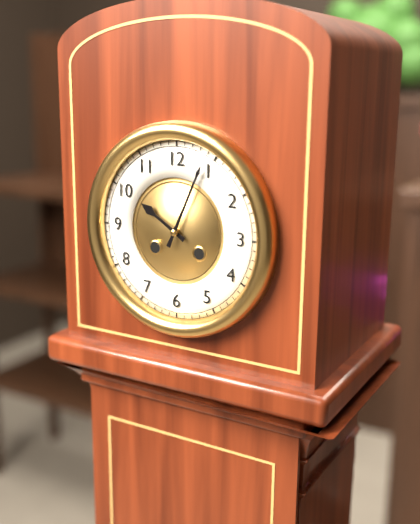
10 h 04 min
